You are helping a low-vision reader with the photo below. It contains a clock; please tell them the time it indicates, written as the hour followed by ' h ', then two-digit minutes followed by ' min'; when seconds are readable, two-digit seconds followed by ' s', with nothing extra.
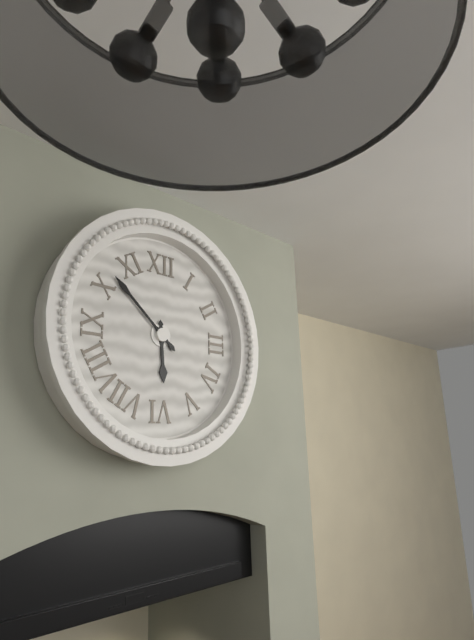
5 h 52 min
